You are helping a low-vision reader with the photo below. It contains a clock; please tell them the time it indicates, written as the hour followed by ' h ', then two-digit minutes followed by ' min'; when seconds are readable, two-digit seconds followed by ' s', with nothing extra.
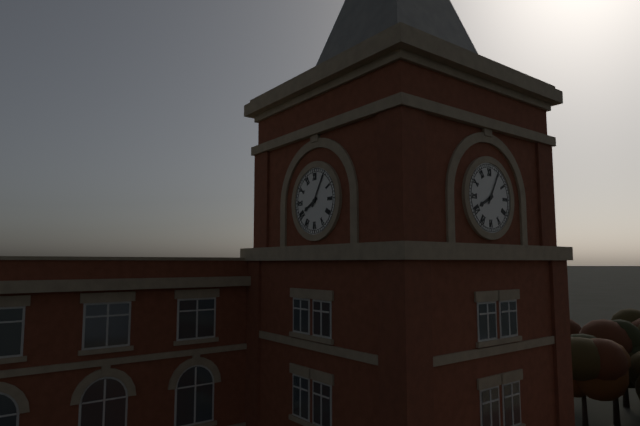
8 h 05 min
